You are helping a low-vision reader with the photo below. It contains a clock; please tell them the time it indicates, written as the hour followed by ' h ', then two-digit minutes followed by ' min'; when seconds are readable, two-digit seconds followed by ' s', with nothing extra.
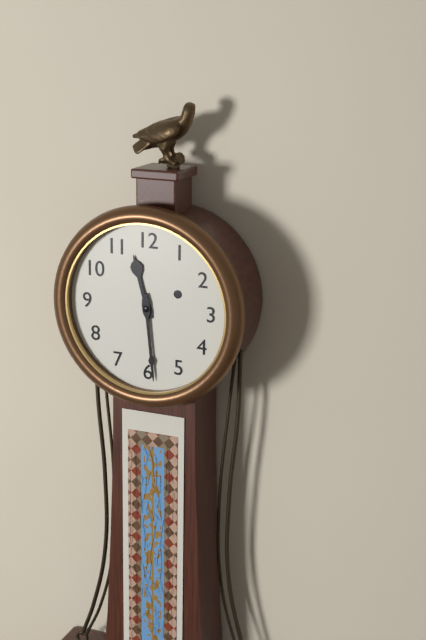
11 h 29 min
